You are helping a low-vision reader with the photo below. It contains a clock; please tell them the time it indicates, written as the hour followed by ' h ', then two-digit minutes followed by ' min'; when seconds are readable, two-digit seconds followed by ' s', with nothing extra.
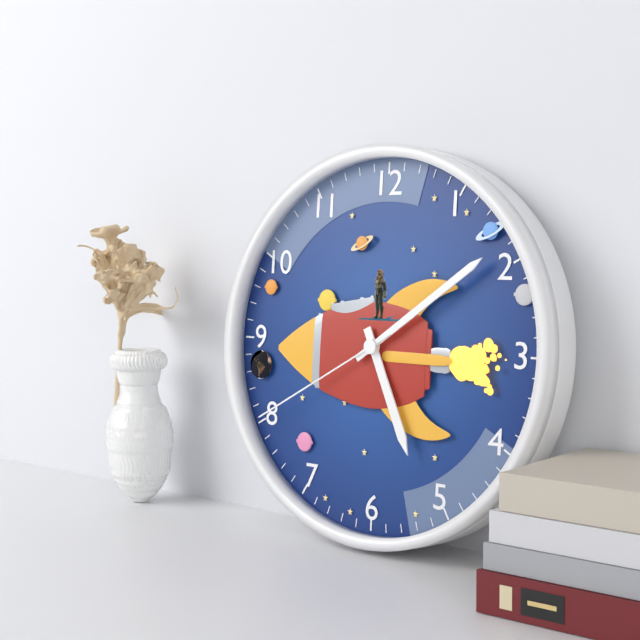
5 h 09 min 40 s
